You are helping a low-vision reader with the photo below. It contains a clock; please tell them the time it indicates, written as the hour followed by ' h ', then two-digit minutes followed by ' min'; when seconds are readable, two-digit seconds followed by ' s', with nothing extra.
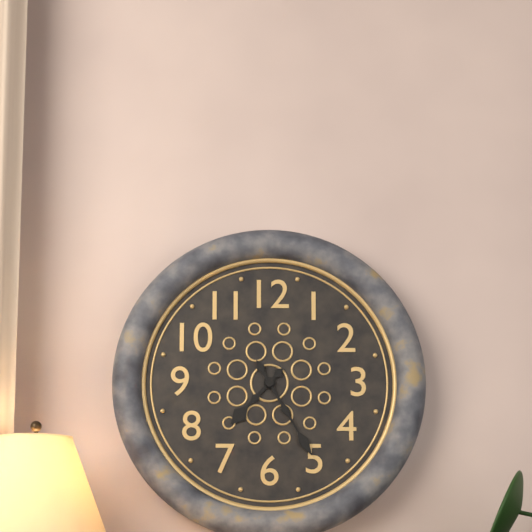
7 h 25 min
